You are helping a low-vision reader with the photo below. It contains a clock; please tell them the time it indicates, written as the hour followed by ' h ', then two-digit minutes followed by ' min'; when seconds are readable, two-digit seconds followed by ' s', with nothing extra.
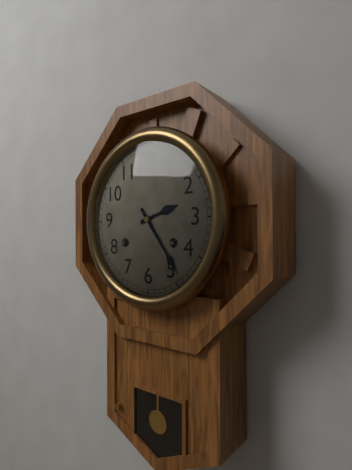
2 h 24 min
